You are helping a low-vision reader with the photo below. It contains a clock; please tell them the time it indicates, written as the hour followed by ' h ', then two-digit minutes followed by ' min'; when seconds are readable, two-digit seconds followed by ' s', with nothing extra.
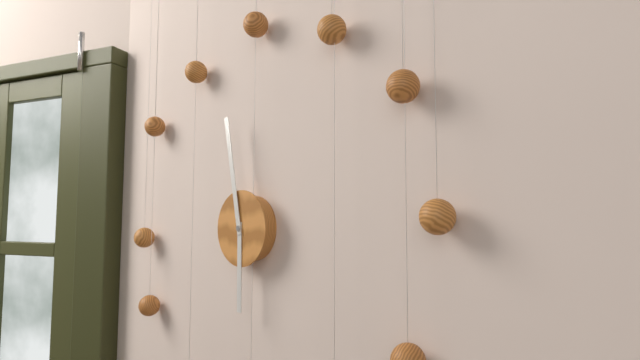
5 h 58 min
